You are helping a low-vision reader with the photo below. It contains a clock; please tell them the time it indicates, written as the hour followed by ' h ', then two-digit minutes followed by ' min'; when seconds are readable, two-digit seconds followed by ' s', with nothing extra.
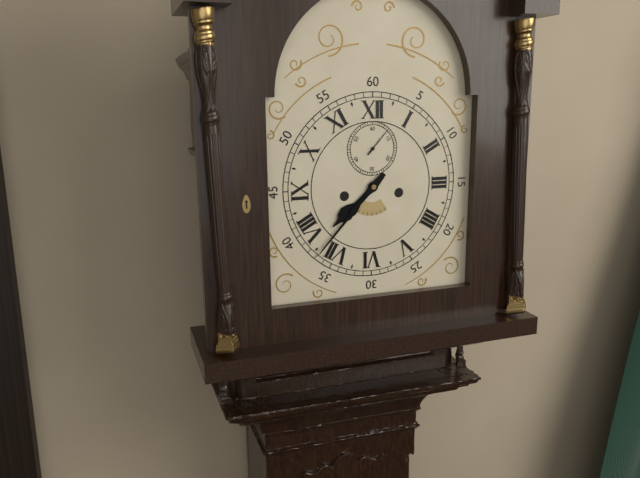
7 h 37 min
